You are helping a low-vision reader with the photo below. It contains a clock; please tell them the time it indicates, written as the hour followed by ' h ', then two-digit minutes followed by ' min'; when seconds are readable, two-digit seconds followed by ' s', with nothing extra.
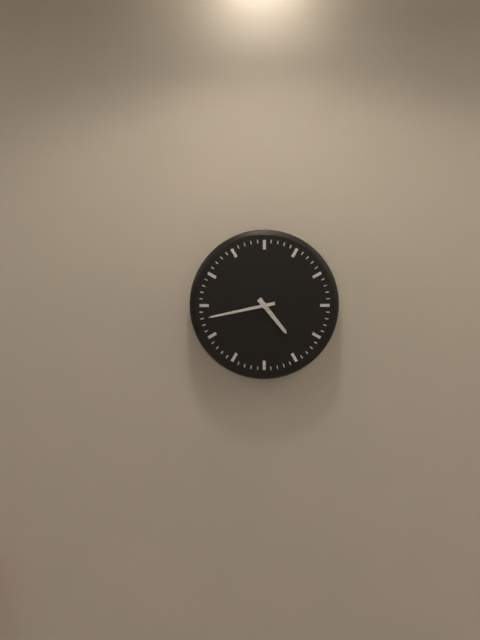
4 h 43 min
